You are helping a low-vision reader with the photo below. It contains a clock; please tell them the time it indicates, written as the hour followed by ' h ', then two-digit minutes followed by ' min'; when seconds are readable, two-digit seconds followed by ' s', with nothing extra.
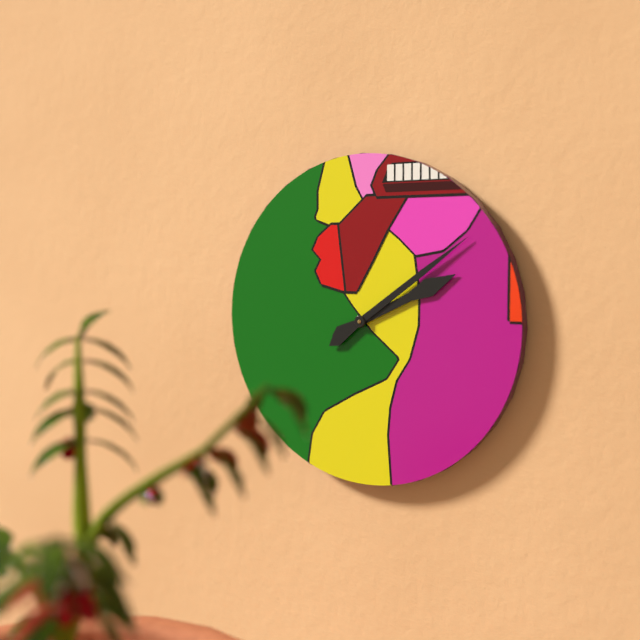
2 h 09 min
